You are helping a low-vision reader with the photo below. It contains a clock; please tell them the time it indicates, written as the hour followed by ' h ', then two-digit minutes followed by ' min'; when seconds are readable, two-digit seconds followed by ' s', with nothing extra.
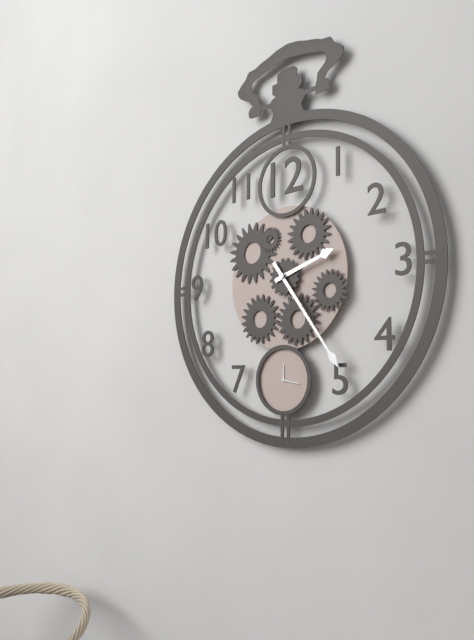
2 h 24 min
